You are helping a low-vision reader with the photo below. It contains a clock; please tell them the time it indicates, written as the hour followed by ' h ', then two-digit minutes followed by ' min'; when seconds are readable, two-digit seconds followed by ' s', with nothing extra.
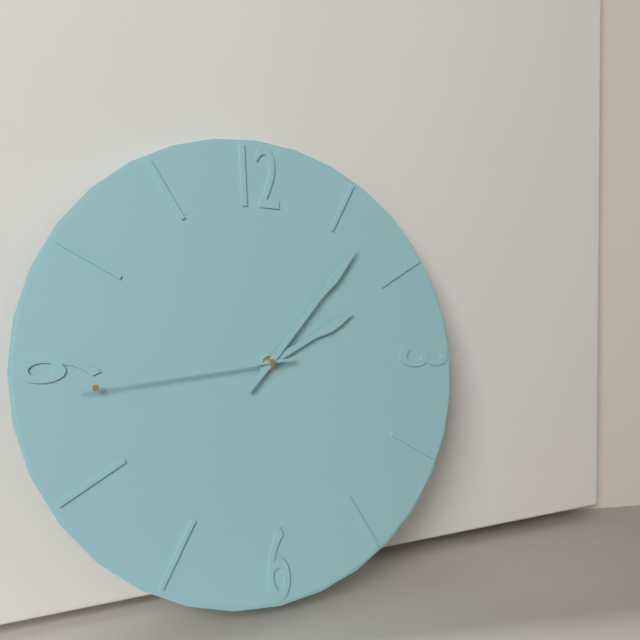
2 h 07 min 44 s
